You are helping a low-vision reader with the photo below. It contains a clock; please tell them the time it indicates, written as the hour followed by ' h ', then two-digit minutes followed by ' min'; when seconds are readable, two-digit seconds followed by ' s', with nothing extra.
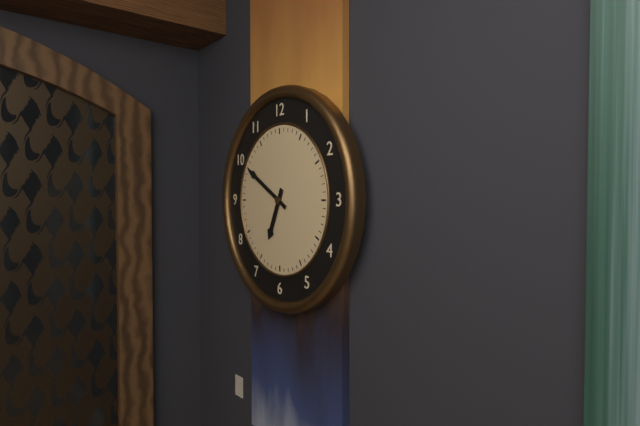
6 h 50 min
